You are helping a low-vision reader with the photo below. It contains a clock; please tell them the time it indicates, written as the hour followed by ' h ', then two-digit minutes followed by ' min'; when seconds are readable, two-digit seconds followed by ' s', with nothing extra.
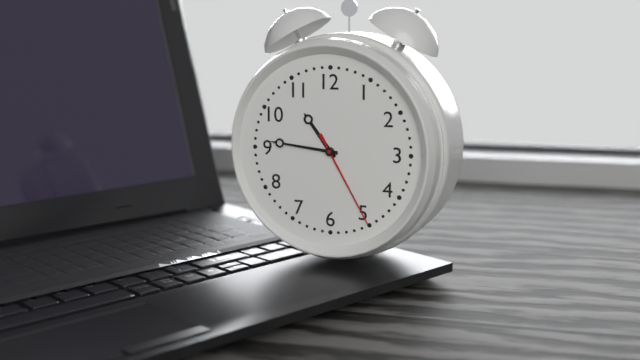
10 h 46 min 25 s
